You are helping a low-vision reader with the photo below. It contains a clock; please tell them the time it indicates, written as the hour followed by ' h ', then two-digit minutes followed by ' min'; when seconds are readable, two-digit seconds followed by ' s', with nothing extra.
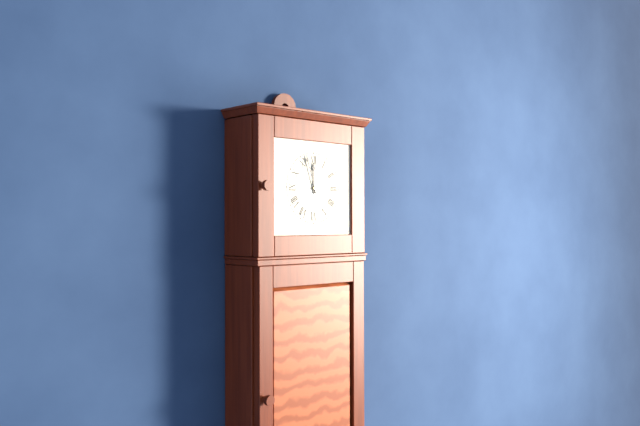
11 h 57 min
